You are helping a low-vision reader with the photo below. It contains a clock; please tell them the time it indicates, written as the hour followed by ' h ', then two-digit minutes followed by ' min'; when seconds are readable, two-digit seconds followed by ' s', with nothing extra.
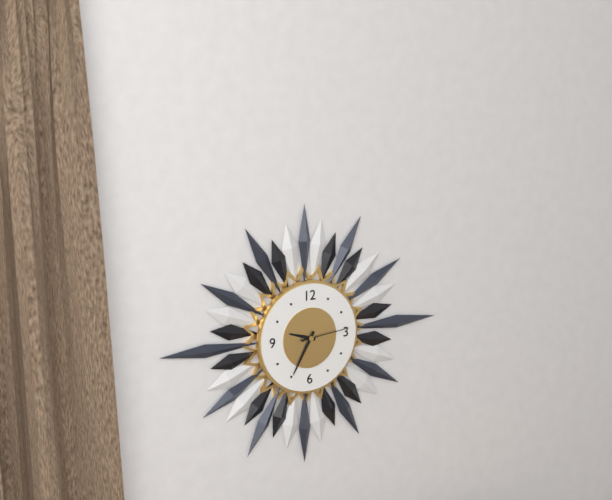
9 h 35 min
